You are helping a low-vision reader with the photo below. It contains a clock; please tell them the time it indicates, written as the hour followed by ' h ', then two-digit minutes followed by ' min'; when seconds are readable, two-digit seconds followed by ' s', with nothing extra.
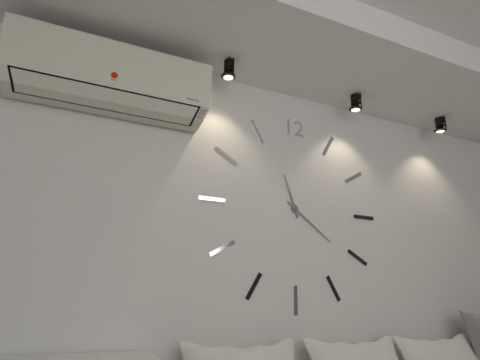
11 h 21 min
